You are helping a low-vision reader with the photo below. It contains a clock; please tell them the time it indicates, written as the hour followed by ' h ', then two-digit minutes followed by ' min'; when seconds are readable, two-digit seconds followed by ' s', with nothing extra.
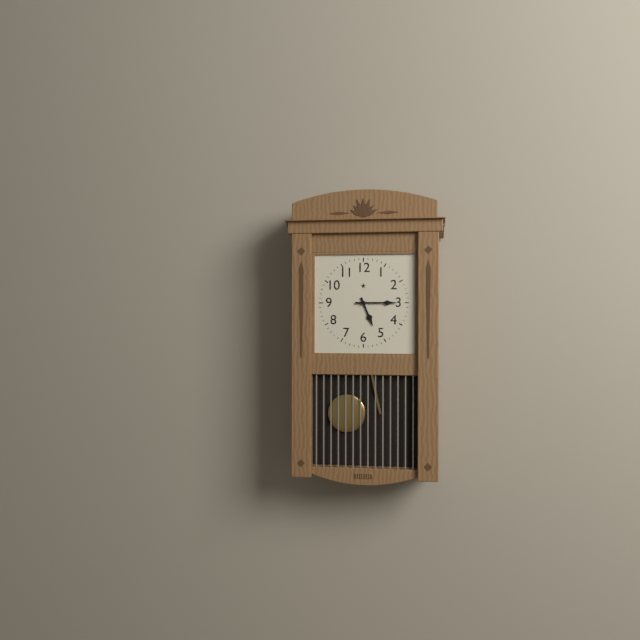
5 h 15 min
